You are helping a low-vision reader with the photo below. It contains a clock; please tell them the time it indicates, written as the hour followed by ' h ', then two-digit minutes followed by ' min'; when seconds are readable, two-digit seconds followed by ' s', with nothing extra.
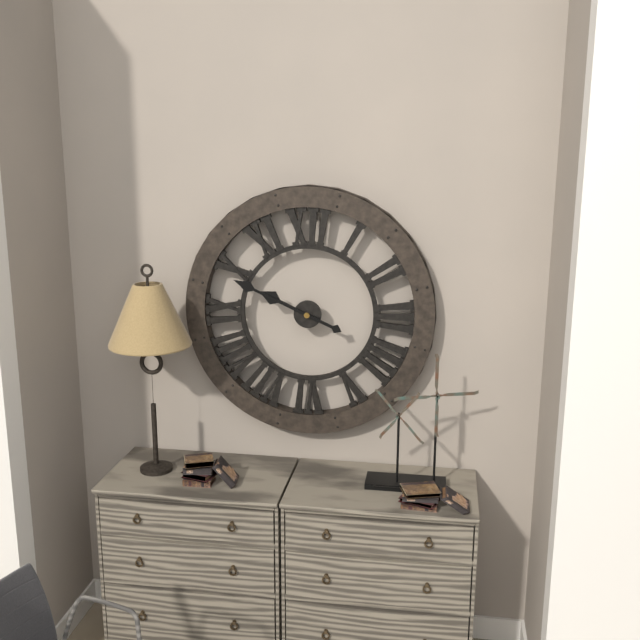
9 h 49 min
